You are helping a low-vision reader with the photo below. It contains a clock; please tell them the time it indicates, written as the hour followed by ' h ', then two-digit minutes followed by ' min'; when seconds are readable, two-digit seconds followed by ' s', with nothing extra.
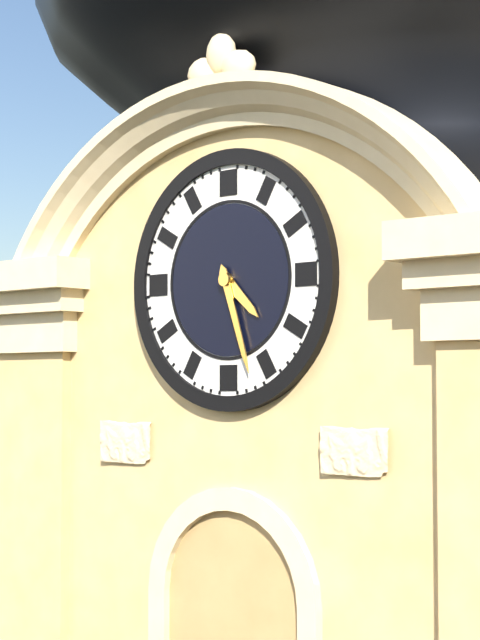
4 h 27 min
